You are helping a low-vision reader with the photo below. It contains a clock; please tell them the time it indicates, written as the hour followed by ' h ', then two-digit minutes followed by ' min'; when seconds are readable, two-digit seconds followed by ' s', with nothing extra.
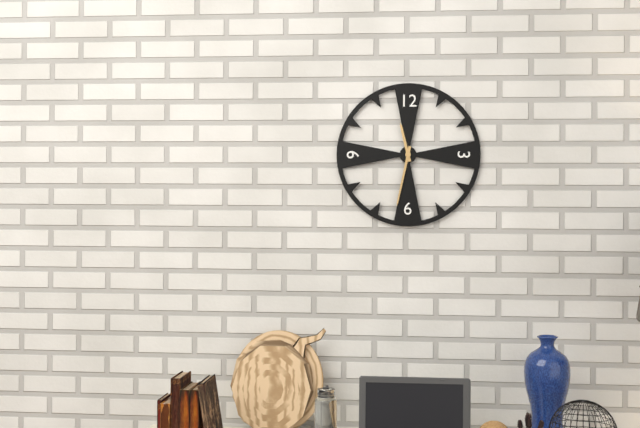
11 h 32 min
